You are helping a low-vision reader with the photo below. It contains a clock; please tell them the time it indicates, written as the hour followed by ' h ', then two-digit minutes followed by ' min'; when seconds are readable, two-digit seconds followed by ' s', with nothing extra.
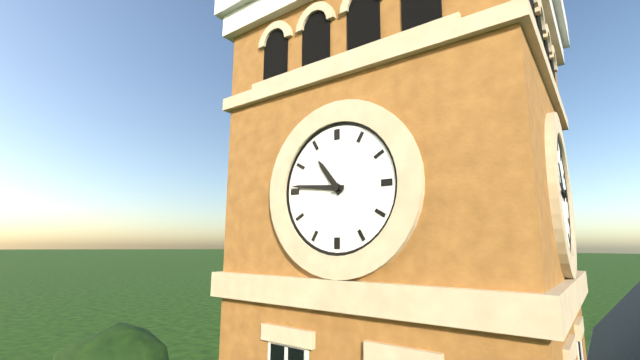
10 h 46 min
